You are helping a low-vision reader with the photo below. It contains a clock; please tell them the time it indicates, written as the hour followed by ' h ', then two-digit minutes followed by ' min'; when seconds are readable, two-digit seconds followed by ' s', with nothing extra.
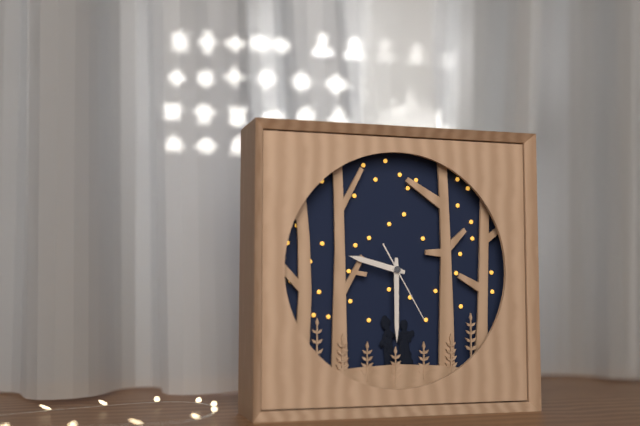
9 h 30 min 25 s
